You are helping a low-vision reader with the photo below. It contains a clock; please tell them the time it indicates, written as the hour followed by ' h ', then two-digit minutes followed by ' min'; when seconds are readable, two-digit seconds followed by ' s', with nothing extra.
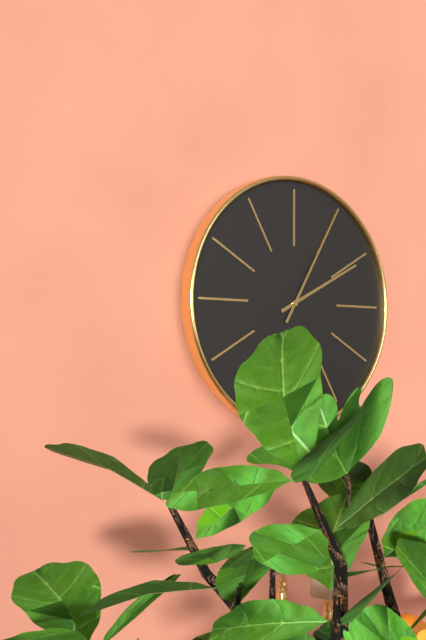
2 h 05 min
